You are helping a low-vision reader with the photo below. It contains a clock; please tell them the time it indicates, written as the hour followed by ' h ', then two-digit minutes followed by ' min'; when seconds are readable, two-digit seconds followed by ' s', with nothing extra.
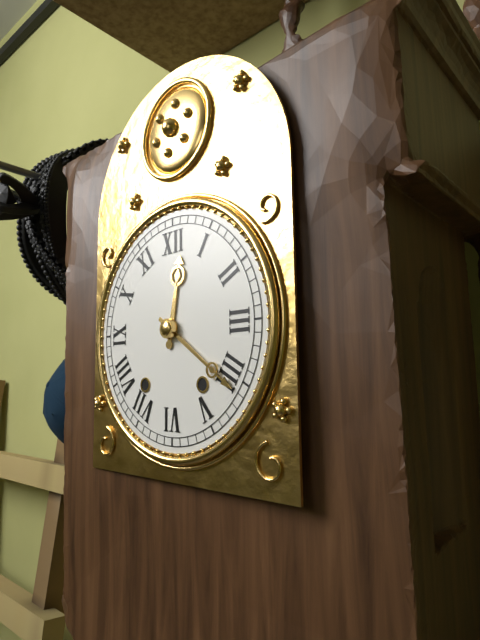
12 h 21 min
